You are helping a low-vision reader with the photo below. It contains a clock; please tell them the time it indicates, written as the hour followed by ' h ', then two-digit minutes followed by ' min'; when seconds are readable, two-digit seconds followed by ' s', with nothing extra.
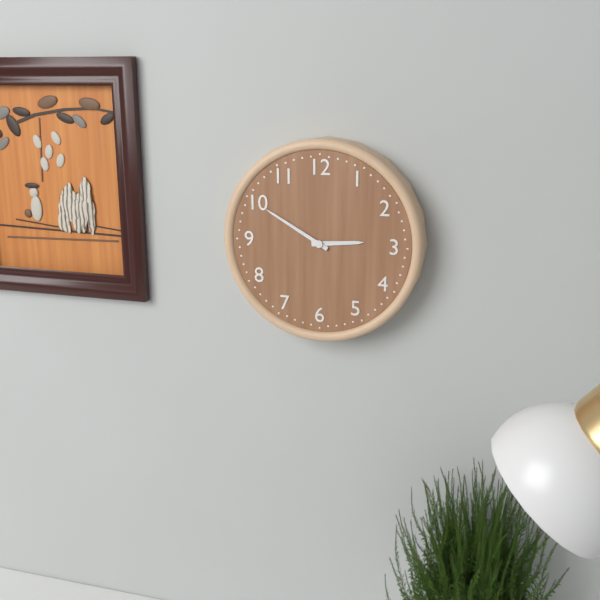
2 h 50 min
